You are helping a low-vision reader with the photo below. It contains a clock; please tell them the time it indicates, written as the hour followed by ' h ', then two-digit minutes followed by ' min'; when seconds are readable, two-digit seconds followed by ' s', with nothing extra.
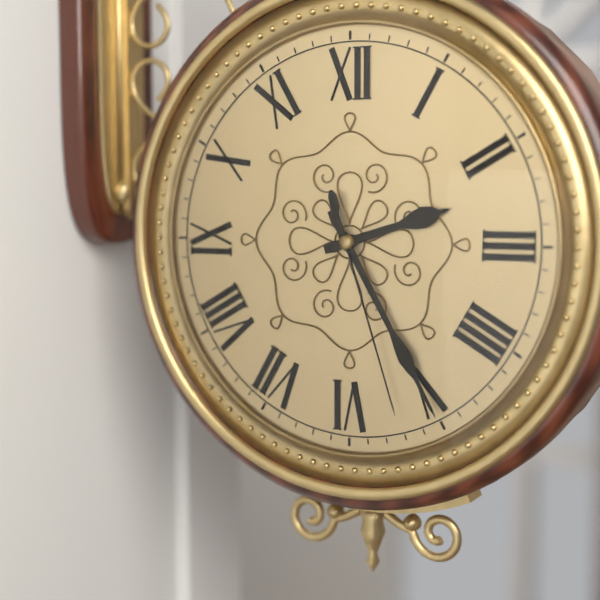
2 h 25 min 27 s
